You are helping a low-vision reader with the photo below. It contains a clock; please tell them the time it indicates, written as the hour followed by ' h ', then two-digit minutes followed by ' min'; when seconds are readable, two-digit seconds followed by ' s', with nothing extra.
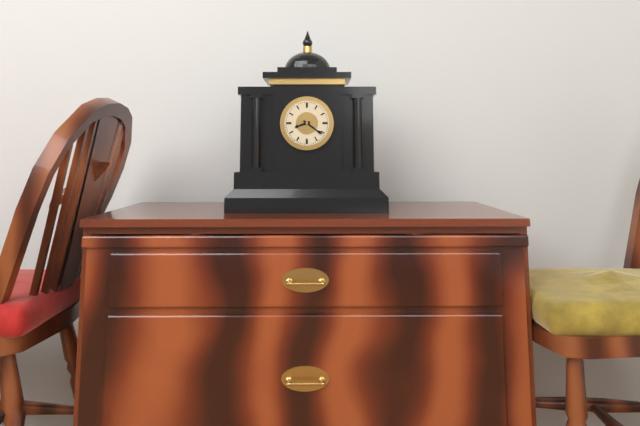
8 h 21 min
